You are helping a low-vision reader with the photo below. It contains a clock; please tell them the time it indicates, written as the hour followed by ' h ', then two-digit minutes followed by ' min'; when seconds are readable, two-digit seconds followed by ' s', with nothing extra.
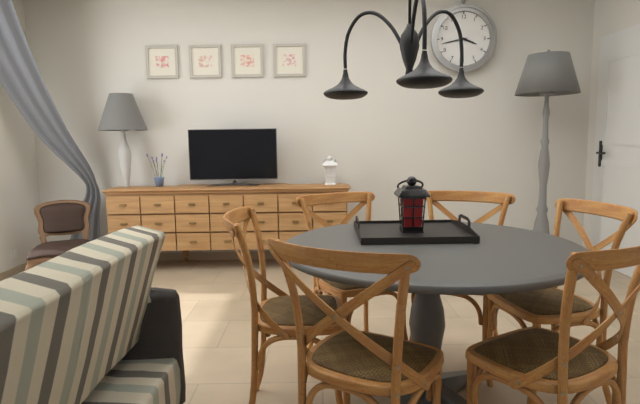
3 h 43 min
